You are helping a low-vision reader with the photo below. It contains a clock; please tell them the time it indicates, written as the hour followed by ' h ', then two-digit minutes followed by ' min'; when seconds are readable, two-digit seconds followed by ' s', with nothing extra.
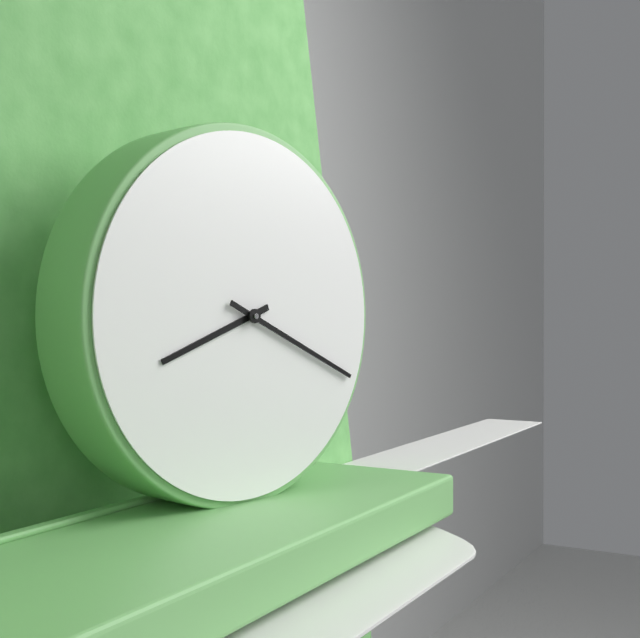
8 h 19 min
